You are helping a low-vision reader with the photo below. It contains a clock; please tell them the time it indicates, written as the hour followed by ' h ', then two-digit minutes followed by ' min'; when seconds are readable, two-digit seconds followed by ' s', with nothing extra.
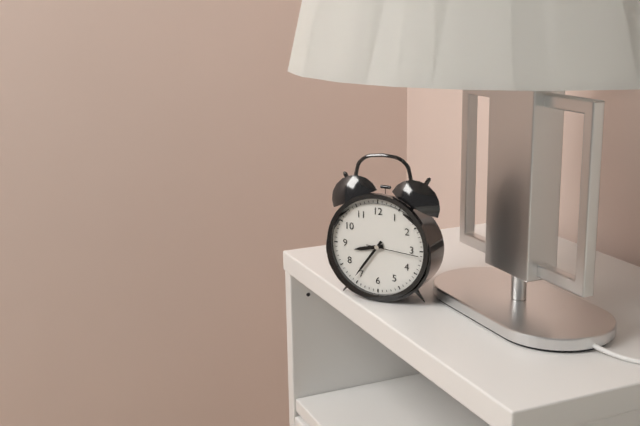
8 h 36 min 16 s
